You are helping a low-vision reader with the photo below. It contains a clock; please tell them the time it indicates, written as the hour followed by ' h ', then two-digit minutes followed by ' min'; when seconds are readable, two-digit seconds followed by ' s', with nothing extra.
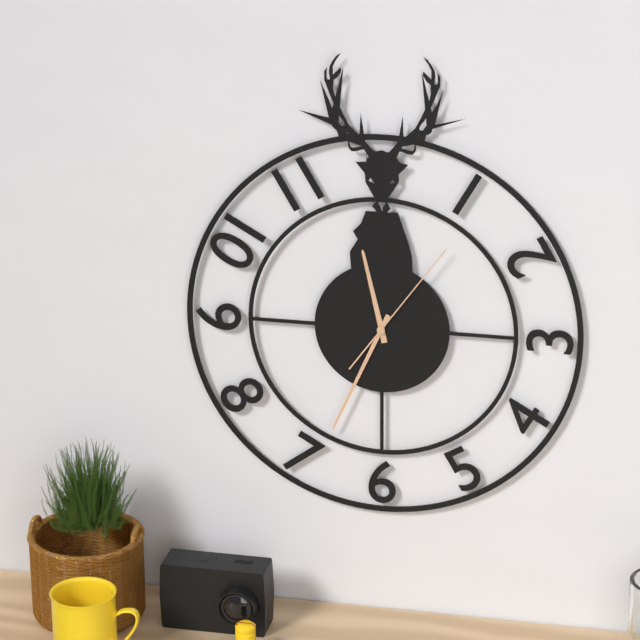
11 h 34 min 06 s
